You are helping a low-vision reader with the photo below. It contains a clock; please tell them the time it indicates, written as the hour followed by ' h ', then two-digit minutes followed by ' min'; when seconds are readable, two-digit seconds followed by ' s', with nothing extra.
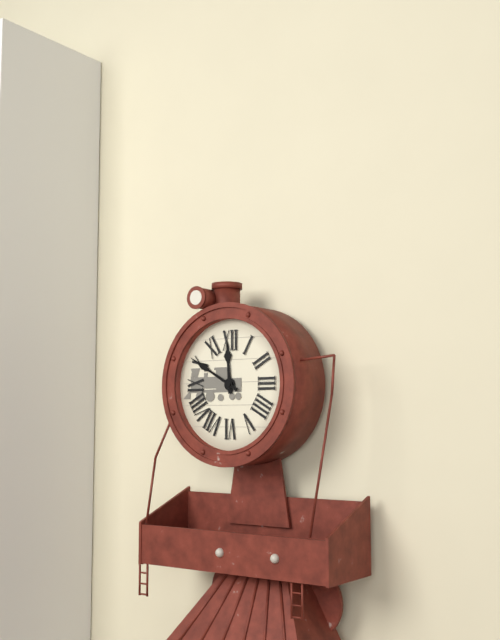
11 h 50 min
